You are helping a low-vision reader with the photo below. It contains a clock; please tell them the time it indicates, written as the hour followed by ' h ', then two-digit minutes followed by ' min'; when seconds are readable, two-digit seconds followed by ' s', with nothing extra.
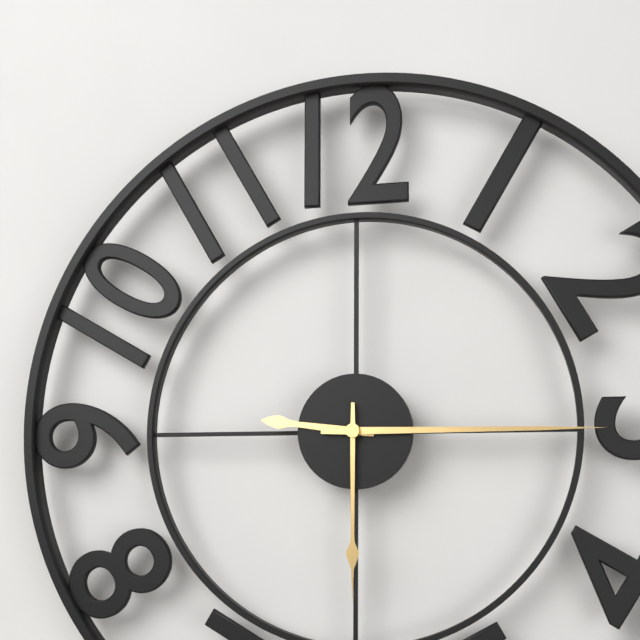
9 h 15 min 30 s
